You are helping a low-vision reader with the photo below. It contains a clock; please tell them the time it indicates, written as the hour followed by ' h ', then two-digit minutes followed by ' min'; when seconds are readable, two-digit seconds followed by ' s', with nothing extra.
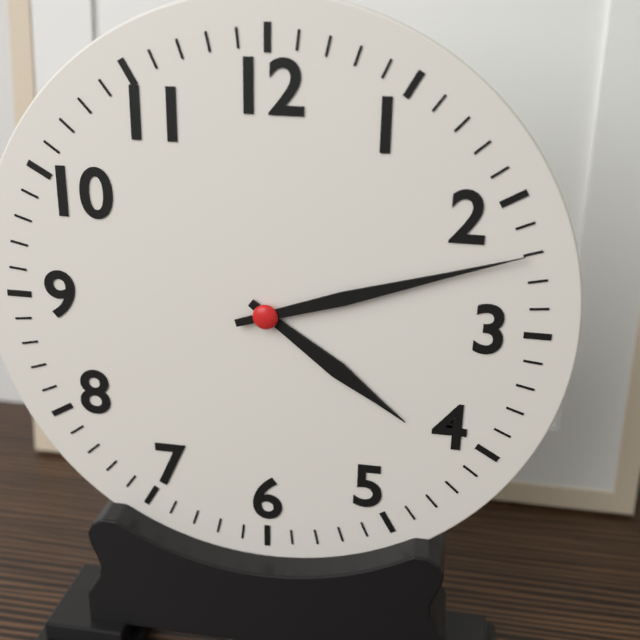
4 h 12 min
